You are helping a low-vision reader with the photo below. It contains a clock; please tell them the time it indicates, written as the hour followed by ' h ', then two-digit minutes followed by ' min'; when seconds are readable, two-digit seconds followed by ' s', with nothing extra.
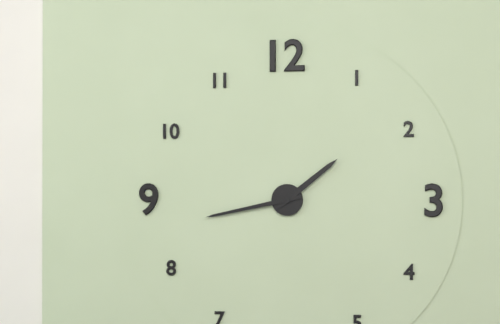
1 h 43 min
